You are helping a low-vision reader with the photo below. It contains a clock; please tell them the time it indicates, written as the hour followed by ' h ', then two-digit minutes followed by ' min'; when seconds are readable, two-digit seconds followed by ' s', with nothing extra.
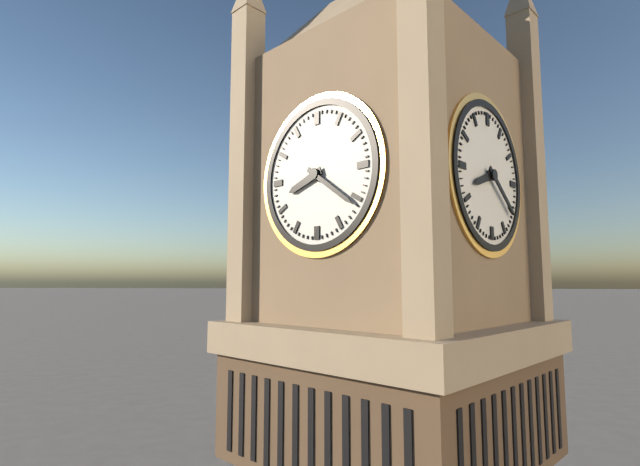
8 h 21 min
